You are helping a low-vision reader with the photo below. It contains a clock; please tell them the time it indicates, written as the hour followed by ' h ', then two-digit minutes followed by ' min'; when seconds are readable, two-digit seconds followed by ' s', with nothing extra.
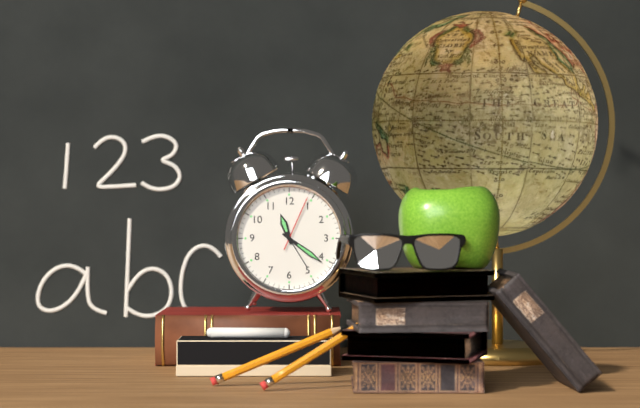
11 h 21 min 04 s
